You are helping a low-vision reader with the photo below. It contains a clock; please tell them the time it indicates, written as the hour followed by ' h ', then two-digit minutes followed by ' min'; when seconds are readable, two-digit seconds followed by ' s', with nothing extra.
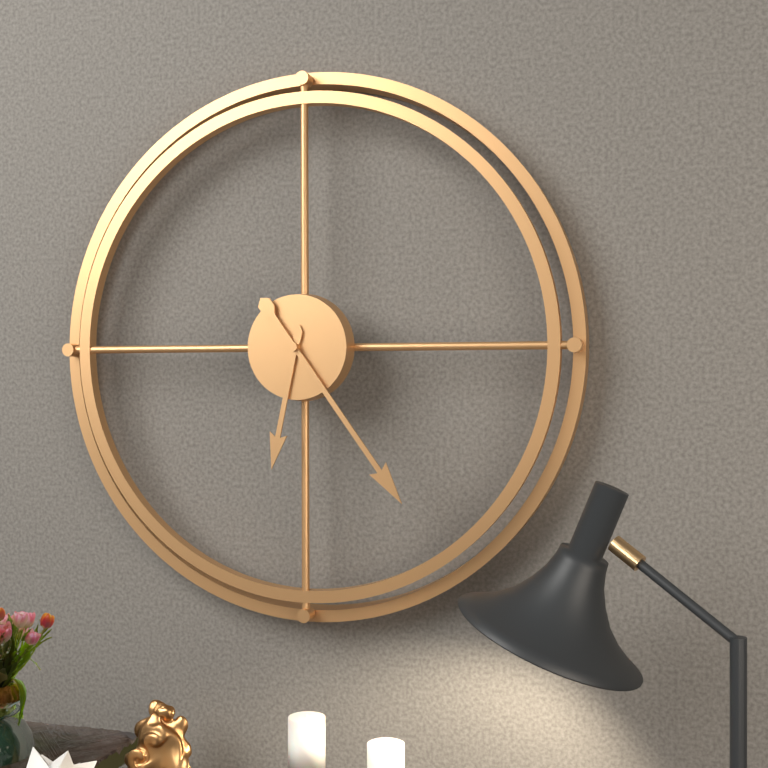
6 h 24 min
